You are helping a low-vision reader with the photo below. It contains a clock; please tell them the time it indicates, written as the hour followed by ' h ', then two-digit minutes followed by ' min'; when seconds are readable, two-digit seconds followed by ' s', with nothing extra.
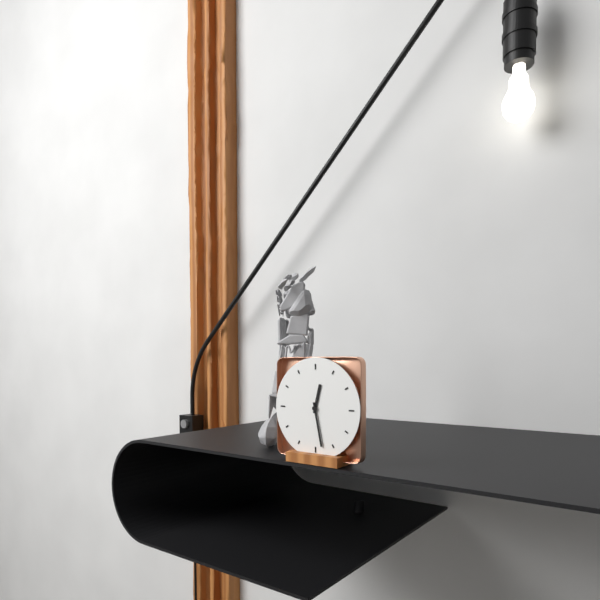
12 h 28 min
